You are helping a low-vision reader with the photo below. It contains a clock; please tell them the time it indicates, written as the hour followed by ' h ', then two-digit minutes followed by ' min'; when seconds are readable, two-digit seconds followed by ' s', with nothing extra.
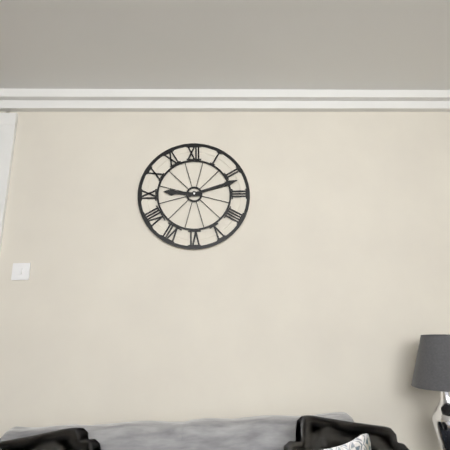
9 h 12 min
